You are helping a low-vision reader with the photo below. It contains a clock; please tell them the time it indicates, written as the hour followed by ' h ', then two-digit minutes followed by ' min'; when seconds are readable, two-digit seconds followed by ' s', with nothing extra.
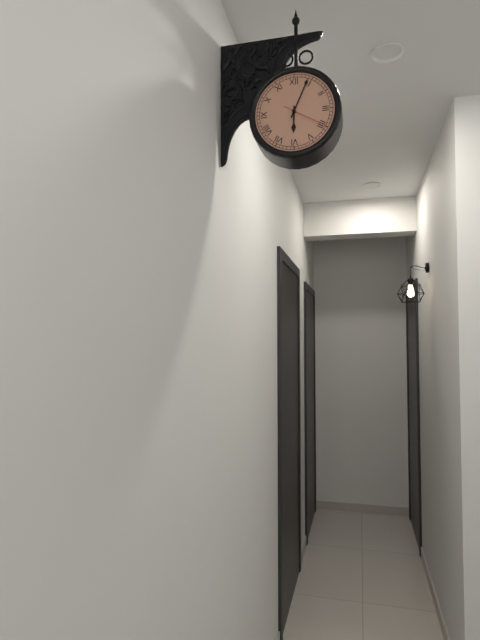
6 h 04 min
